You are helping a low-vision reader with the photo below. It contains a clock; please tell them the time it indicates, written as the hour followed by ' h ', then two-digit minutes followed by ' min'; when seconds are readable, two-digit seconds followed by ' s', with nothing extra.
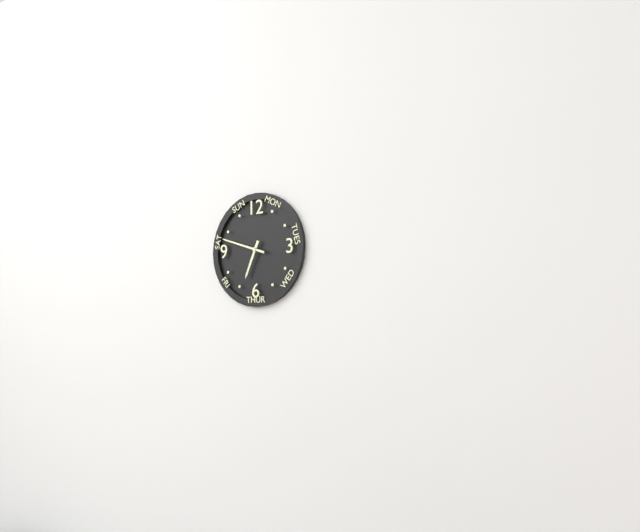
6 h 48 min
